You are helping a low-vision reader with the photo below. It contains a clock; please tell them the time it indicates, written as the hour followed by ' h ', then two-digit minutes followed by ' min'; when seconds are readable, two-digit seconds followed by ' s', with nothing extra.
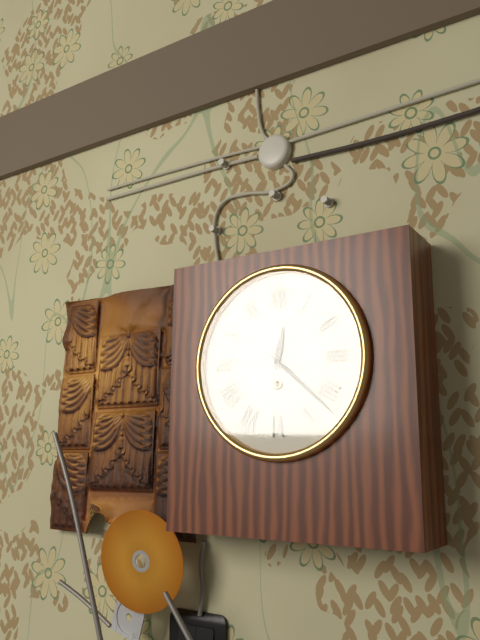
12 h 22 min
